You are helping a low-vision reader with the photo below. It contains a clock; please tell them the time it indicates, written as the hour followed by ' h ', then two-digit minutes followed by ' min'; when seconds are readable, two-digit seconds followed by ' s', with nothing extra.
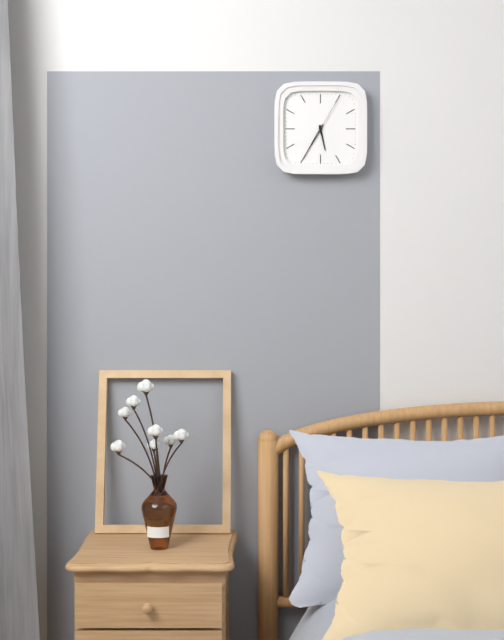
5 h 35 min
